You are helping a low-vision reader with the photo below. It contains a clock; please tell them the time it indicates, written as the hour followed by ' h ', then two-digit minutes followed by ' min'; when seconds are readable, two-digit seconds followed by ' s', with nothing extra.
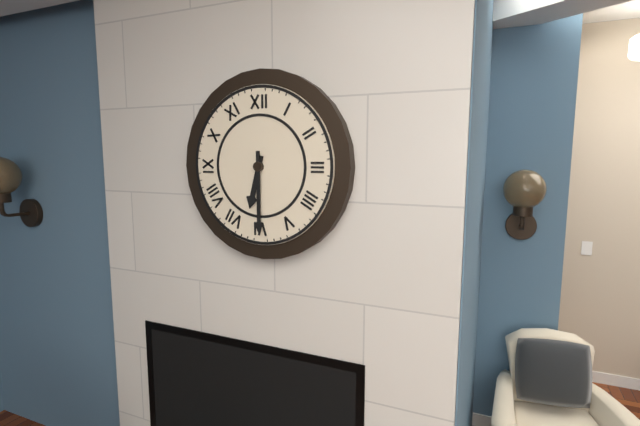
6 h 30 min
